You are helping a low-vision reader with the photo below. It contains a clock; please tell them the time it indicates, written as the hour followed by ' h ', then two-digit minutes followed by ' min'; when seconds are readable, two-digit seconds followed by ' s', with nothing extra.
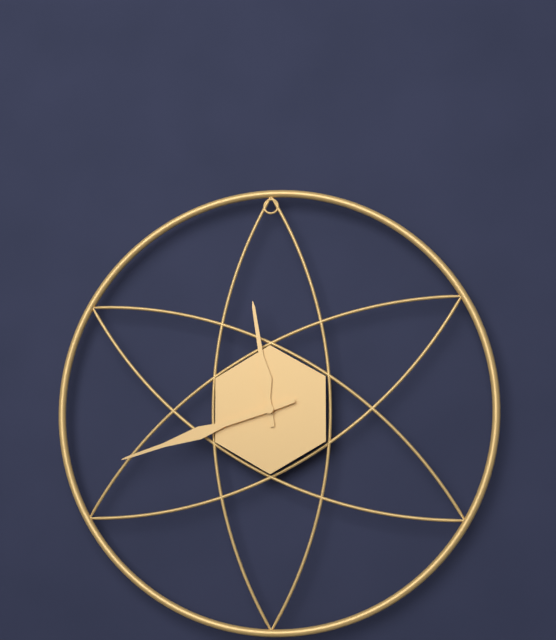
11 h 42 min
